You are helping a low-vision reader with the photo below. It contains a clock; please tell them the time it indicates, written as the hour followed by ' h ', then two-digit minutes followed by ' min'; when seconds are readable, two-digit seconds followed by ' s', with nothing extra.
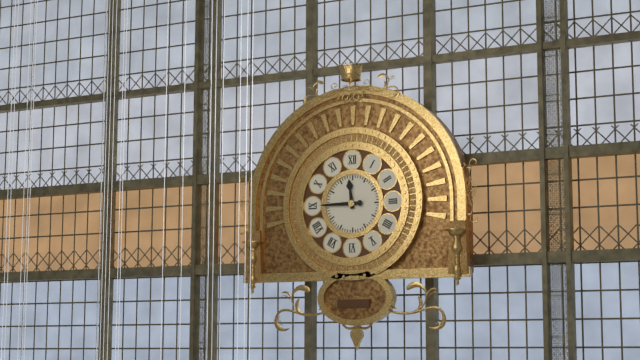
11 h 45 min
